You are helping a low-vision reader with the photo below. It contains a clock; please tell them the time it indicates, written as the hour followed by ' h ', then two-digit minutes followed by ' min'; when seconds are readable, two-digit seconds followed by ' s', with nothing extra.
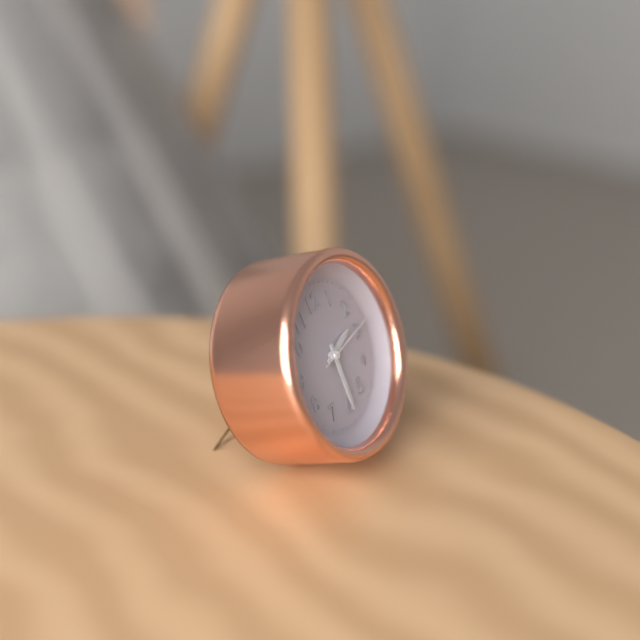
2 h 30 min 14 s
